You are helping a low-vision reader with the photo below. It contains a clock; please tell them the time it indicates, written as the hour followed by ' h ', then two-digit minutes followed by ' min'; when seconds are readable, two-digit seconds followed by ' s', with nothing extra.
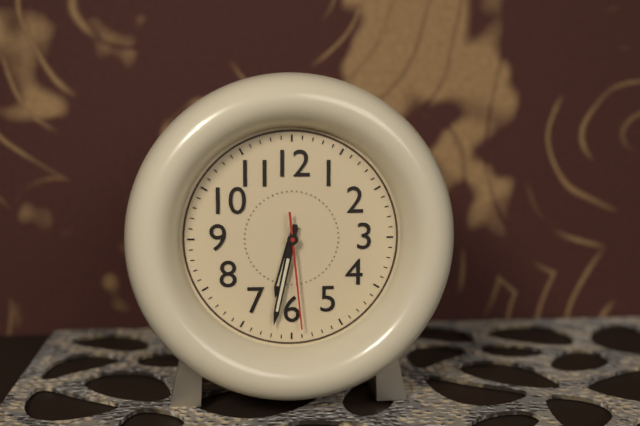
6 h 32 min 29 s
